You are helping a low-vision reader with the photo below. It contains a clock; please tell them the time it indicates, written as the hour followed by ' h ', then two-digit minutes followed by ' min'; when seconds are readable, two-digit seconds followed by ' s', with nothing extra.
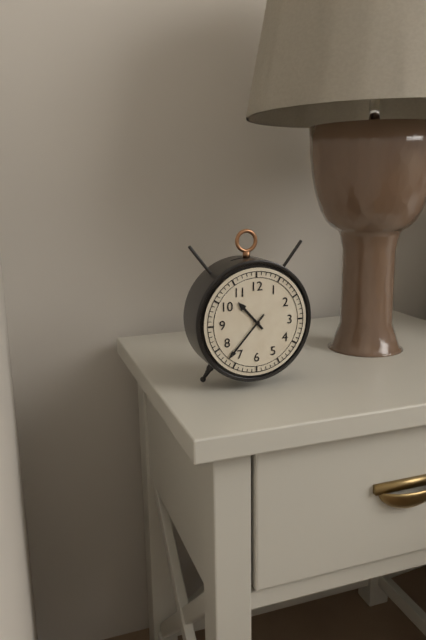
10 h 37 min
